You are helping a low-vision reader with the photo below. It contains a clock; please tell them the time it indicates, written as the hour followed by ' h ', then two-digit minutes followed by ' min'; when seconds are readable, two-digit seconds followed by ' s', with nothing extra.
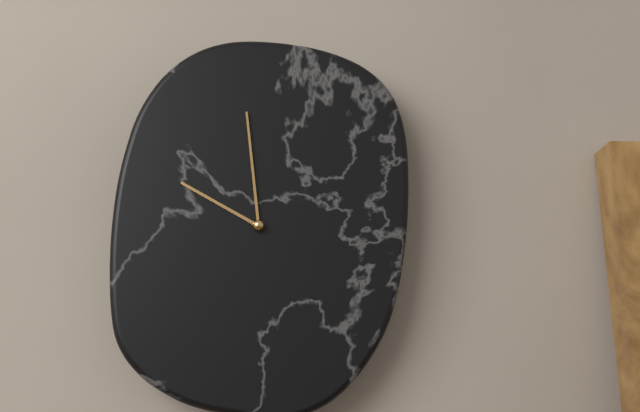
9 h 59 min
